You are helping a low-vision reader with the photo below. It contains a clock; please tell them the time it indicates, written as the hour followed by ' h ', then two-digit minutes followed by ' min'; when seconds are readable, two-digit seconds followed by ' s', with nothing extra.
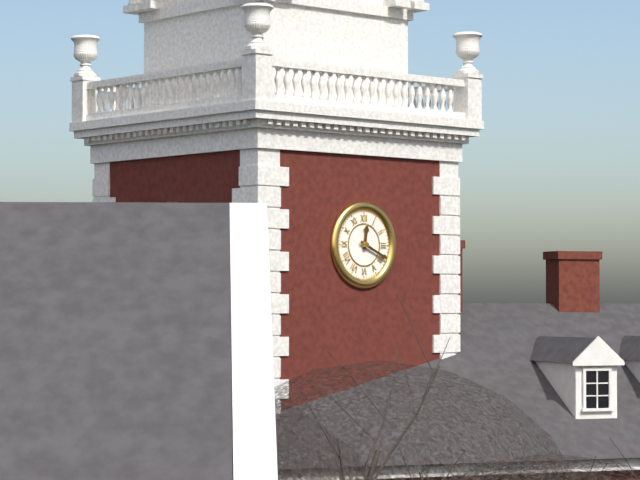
12 h 19 min
